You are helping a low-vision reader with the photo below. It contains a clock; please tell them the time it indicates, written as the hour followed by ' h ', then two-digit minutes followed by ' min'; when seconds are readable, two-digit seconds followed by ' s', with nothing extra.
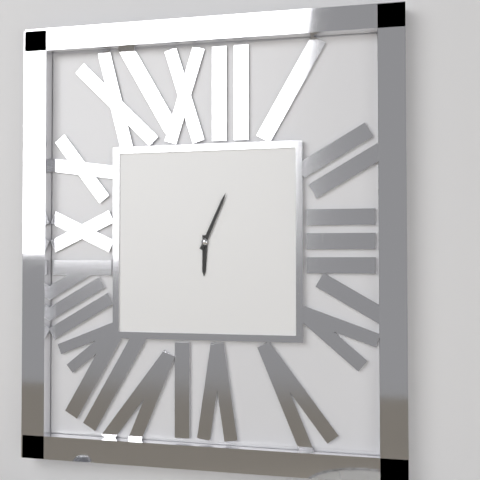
6 h 04 min
